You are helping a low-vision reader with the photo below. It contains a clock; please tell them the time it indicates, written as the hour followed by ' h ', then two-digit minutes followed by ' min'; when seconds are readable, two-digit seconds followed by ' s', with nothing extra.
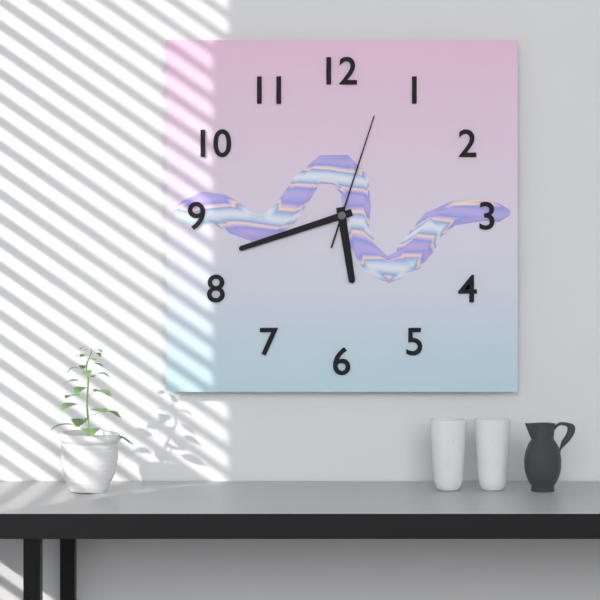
5 h 42 min 03 s
